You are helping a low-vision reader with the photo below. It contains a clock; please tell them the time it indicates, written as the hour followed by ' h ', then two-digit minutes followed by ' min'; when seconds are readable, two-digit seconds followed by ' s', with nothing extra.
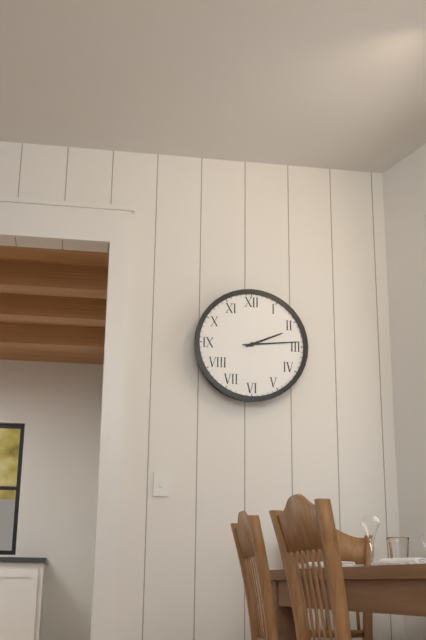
2 h 14 min
